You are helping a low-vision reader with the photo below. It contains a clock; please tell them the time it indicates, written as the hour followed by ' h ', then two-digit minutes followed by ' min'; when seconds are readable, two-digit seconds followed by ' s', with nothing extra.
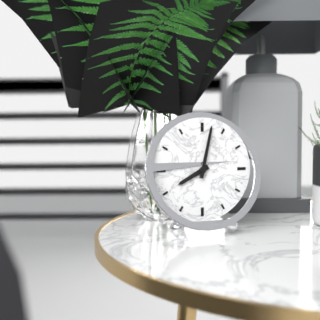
8 h 02 min
